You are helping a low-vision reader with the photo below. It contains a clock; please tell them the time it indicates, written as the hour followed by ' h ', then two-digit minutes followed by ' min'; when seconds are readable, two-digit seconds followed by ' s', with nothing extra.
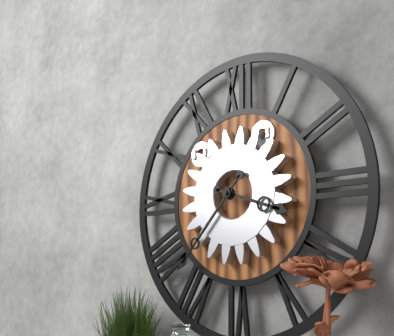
3 h 37 min
